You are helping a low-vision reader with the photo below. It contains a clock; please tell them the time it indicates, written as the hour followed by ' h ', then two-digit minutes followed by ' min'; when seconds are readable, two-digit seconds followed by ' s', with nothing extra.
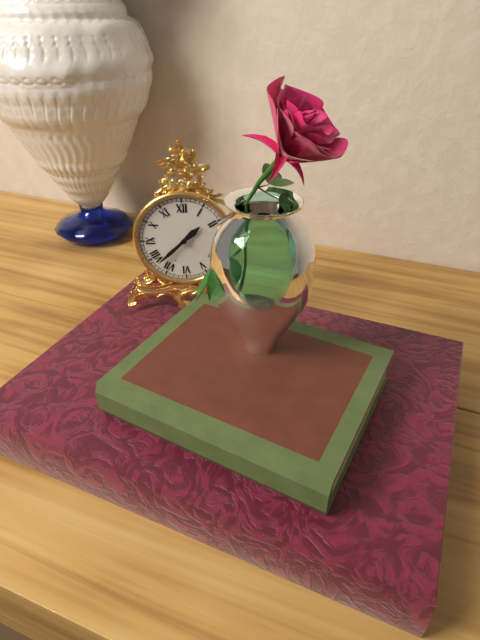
1 h 38 min
